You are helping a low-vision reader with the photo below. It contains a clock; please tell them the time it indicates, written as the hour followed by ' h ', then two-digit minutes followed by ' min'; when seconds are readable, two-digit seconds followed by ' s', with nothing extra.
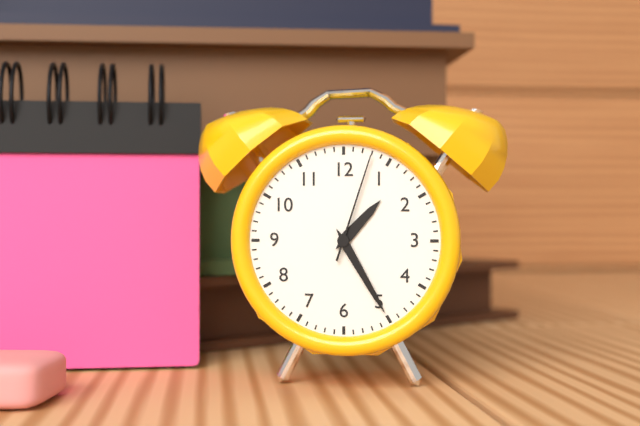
1 h 25 min 03 s
